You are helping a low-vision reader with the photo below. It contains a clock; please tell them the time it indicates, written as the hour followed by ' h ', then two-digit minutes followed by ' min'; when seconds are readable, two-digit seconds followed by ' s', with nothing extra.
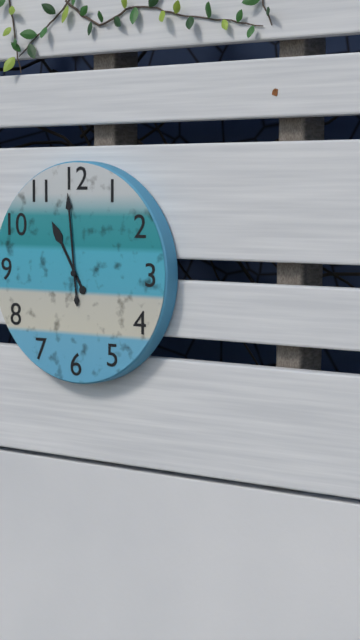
10 h 59 min
